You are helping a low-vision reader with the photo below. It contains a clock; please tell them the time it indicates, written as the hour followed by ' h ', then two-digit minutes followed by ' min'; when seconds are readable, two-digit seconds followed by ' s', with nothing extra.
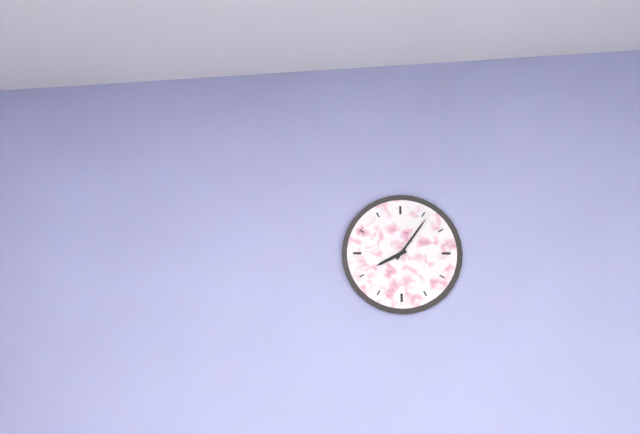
8 h 06 min
